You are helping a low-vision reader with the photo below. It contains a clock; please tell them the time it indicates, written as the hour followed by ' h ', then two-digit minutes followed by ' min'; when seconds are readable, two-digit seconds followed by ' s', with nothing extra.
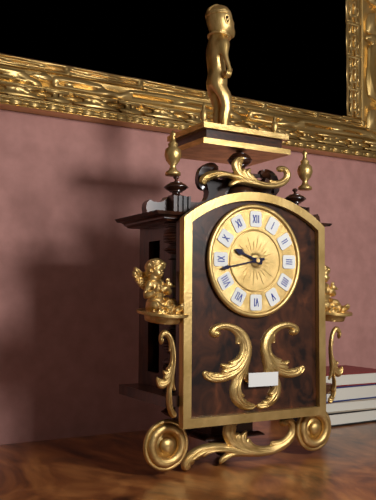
9 h 43 min
